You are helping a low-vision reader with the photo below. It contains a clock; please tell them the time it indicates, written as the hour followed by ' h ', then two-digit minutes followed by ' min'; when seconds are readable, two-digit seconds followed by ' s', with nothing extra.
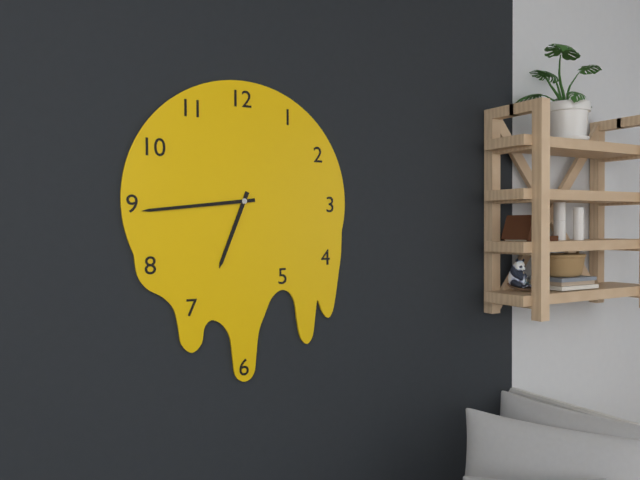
6 h 44 min
